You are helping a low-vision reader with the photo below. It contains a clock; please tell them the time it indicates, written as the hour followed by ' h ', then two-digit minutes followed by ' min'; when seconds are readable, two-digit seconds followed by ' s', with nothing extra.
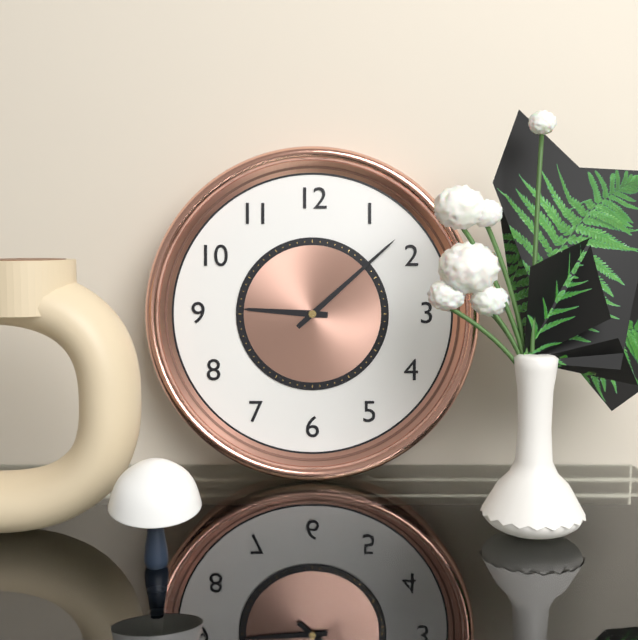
9 h 08 min
